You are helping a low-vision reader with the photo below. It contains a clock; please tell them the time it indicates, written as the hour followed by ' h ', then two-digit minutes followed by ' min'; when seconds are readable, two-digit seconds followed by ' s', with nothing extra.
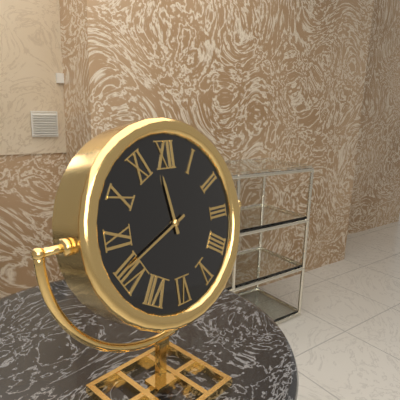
11 h 41 min
